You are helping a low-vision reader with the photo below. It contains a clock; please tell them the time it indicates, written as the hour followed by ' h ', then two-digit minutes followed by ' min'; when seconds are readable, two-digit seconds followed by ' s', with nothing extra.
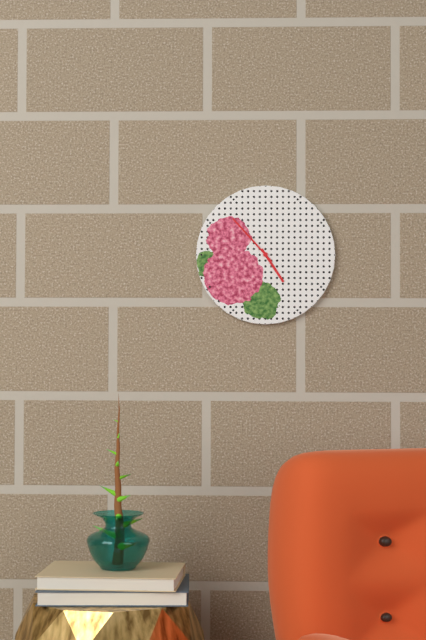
4 h 53 min
